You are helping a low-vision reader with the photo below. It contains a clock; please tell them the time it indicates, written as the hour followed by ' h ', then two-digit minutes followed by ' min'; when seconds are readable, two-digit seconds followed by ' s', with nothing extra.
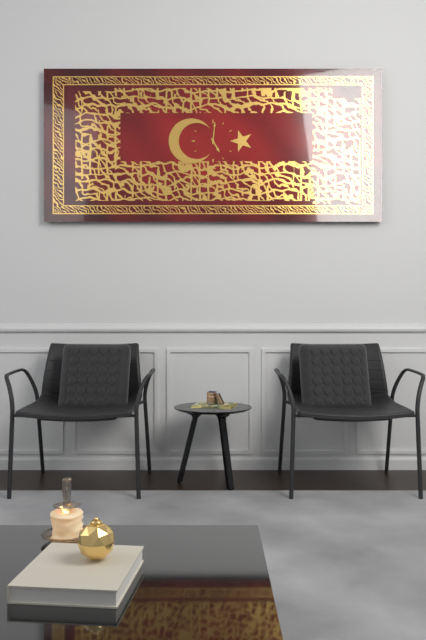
5 h 01 min
